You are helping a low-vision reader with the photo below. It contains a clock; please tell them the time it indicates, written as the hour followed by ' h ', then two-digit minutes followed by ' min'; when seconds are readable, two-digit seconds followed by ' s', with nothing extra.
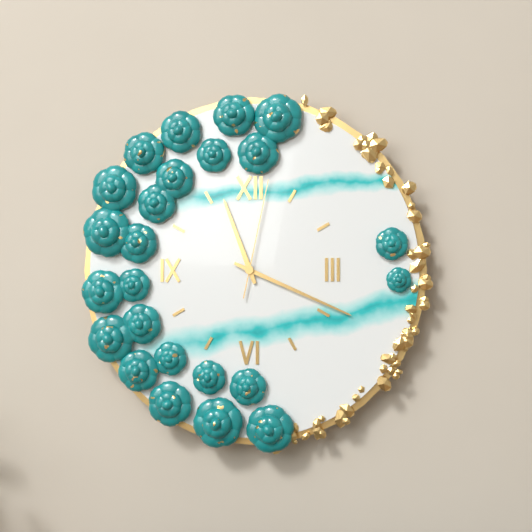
11 h 19 min 02 s
